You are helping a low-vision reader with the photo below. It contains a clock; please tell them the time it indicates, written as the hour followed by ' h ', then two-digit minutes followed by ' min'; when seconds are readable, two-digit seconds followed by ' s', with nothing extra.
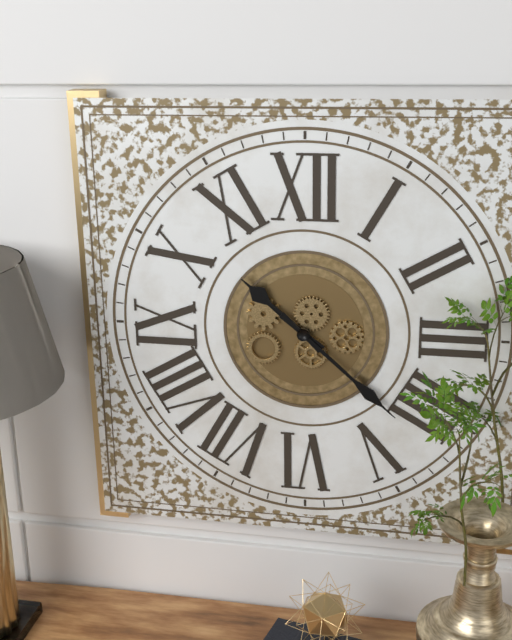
10 h 22 min
